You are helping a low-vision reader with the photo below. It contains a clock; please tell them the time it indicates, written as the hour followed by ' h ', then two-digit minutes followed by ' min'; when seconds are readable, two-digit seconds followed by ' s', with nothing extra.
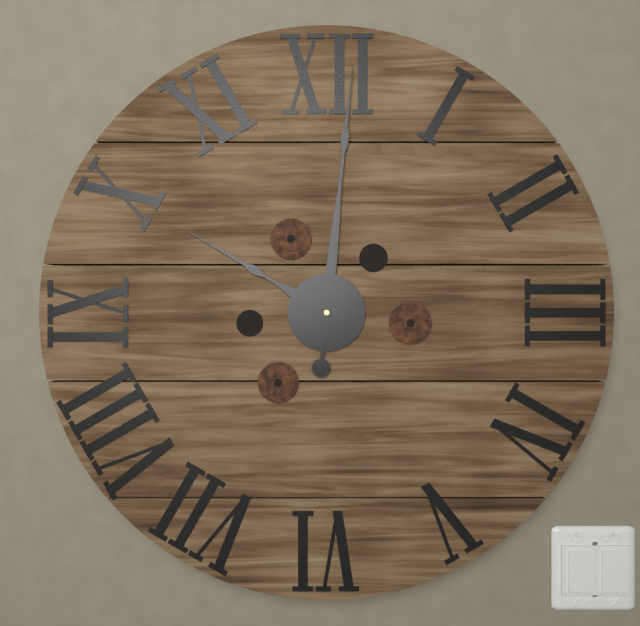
10 h 01 min
